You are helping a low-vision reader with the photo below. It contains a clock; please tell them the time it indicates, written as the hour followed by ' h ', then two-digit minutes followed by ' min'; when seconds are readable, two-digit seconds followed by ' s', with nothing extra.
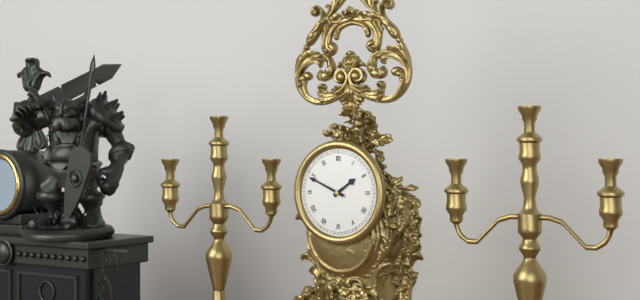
1 h 49 min
